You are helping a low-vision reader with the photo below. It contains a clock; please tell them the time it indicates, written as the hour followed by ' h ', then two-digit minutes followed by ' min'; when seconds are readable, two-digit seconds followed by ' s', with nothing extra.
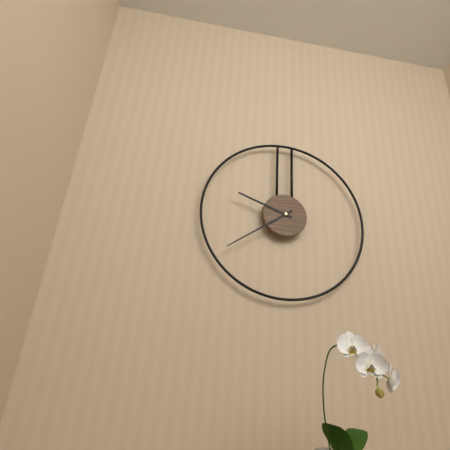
9 h 39 min
